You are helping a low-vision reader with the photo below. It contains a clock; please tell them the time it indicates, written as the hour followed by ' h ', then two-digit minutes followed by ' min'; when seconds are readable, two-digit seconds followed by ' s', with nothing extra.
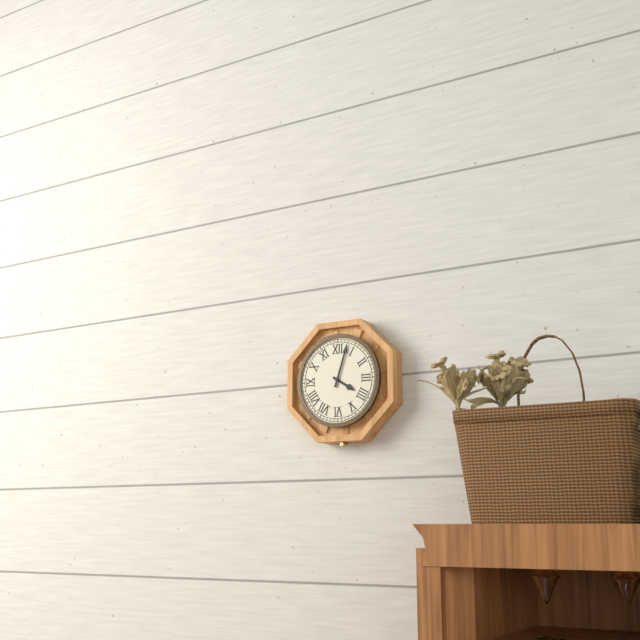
4 h 03 min
